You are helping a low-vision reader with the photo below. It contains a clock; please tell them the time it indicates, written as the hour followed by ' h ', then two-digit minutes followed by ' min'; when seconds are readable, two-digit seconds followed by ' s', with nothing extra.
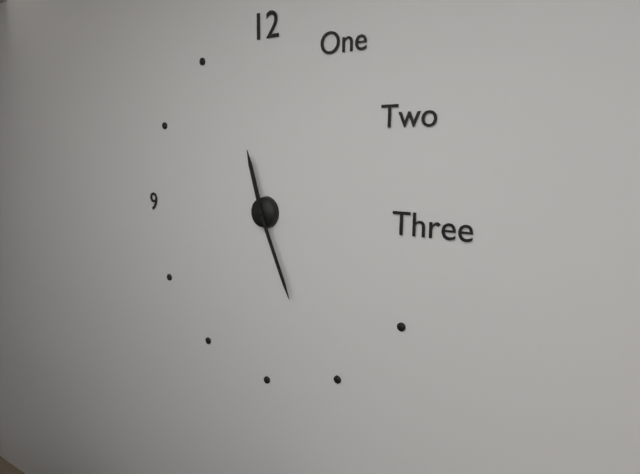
11 h 26 min
